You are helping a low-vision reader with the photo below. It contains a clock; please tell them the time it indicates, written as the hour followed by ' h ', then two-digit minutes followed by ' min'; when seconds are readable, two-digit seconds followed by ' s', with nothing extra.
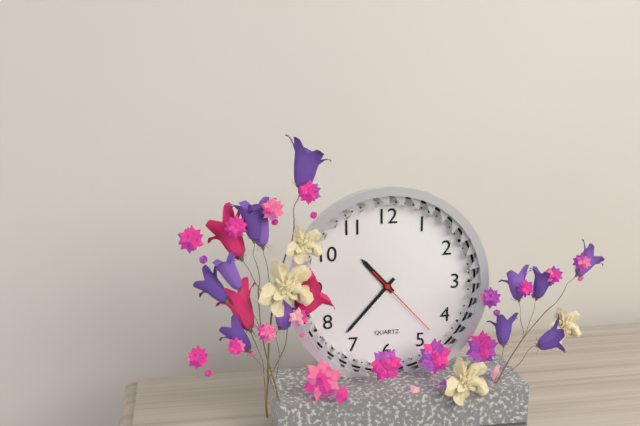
10 h 37 min 23 s
